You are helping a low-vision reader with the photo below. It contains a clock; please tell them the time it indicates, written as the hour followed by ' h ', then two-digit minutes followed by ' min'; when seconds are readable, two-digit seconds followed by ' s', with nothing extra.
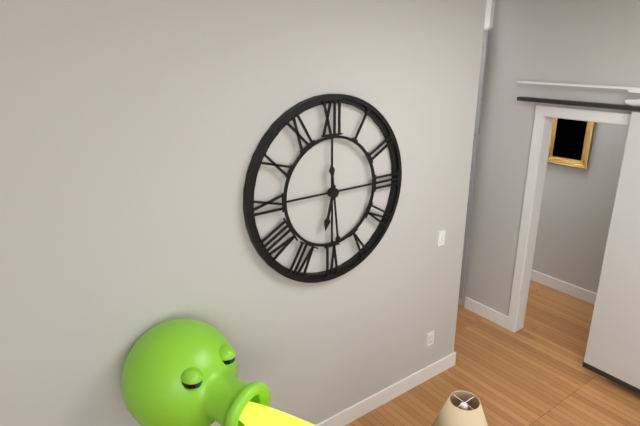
6 h 29 min
